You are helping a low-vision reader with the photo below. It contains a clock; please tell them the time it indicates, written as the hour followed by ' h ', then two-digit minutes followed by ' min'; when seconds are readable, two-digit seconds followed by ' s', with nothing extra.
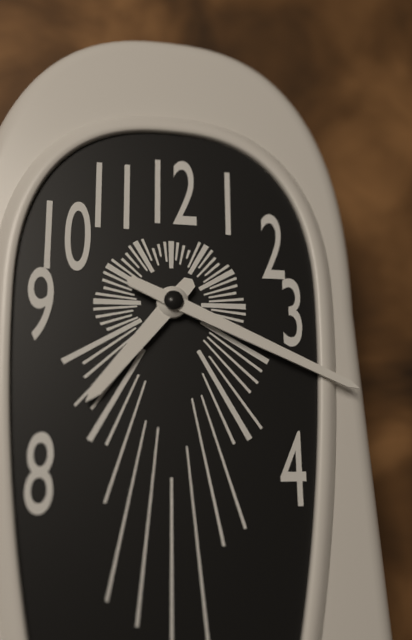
7 h 19 min
